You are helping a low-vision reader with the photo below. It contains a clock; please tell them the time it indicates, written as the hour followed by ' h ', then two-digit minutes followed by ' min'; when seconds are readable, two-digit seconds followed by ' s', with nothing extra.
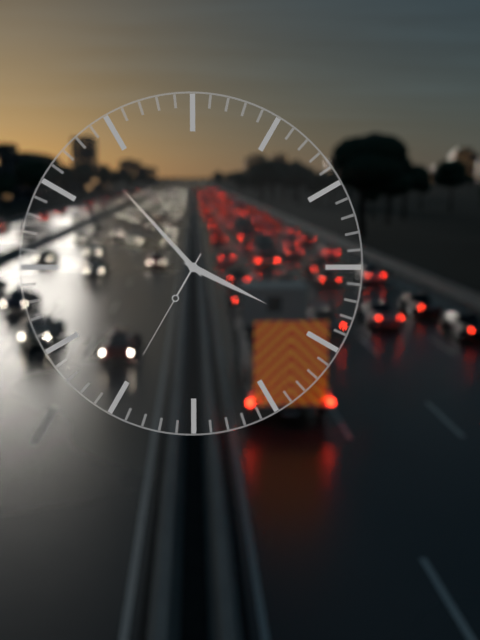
3 h 53 min 35 s
